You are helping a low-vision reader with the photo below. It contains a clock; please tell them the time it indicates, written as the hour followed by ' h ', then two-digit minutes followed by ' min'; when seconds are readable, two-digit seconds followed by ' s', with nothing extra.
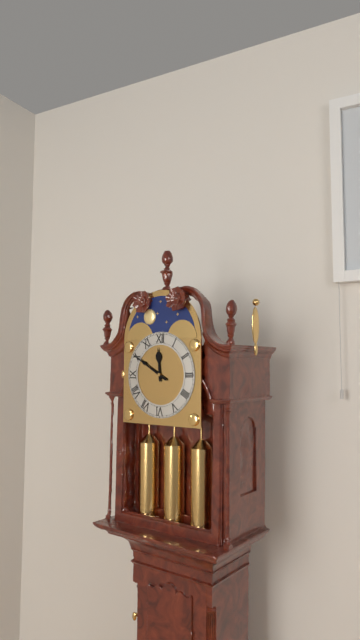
11 h 50 min
